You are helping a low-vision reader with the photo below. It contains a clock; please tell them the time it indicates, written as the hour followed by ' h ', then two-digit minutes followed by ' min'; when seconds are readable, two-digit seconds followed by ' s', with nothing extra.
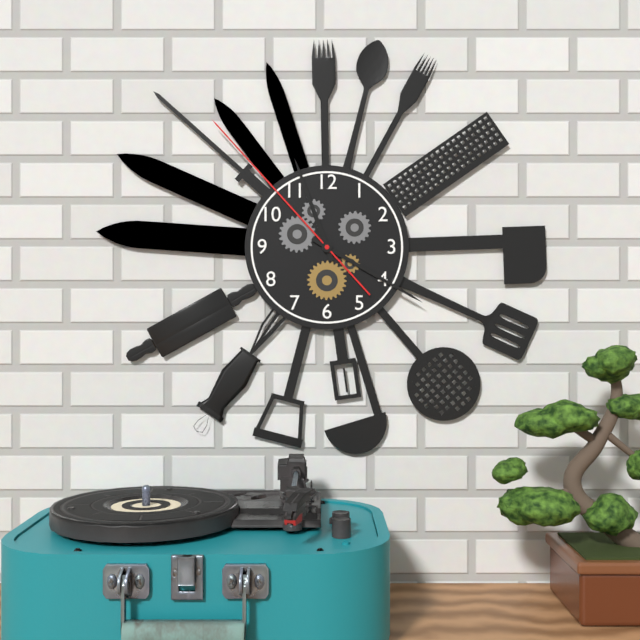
11 h 20 min 53 s
